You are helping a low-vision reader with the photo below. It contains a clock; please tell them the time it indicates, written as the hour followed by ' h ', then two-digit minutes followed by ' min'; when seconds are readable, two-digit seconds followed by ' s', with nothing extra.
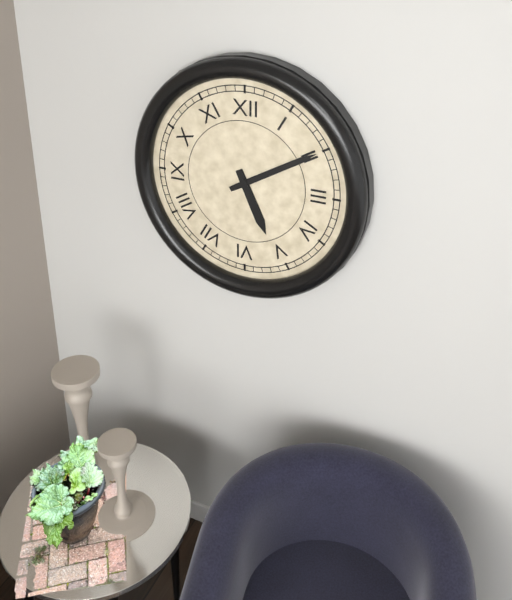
5 h 10 min
